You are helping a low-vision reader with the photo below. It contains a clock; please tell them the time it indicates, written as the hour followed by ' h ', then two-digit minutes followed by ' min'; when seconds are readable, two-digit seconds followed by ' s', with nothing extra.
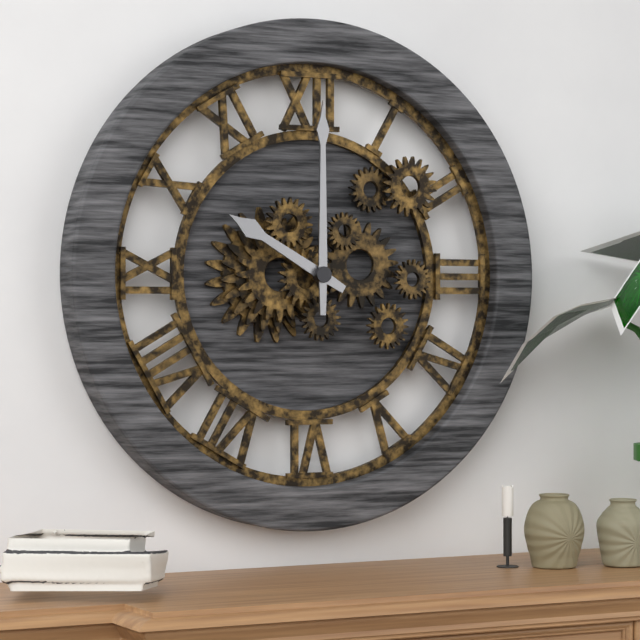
10 h 00 min
